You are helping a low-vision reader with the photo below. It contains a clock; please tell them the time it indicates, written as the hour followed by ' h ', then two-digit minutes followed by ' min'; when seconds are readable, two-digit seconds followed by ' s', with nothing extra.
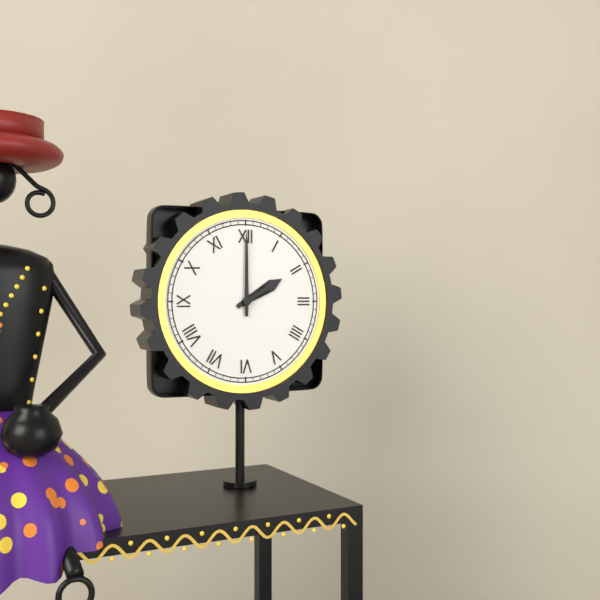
2 h 00 min
